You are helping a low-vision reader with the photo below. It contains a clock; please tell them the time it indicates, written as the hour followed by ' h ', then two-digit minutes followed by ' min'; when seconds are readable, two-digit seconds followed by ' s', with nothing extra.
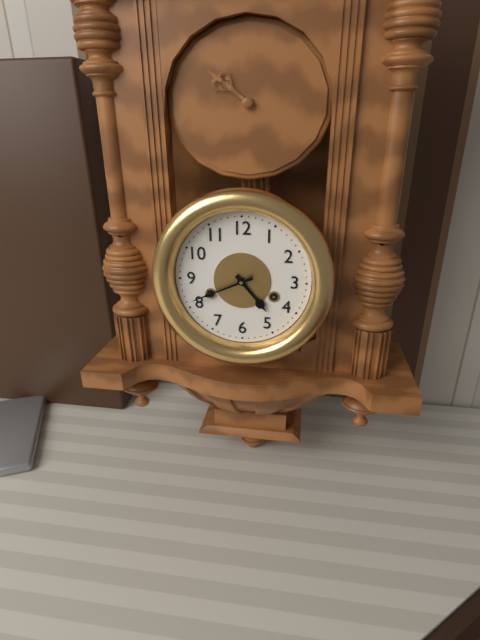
4 h 41 min
